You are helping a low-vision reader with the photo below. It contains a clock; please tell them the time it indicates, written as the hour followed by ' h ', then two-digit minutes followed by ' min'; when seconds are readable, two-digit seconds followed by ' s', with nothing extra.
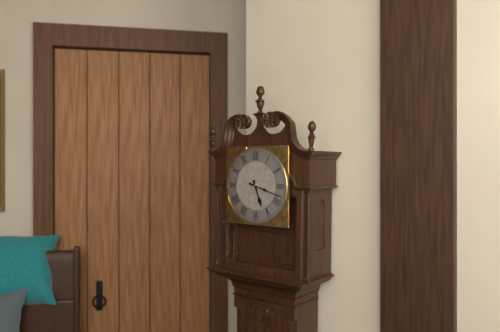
5 h 18 min
